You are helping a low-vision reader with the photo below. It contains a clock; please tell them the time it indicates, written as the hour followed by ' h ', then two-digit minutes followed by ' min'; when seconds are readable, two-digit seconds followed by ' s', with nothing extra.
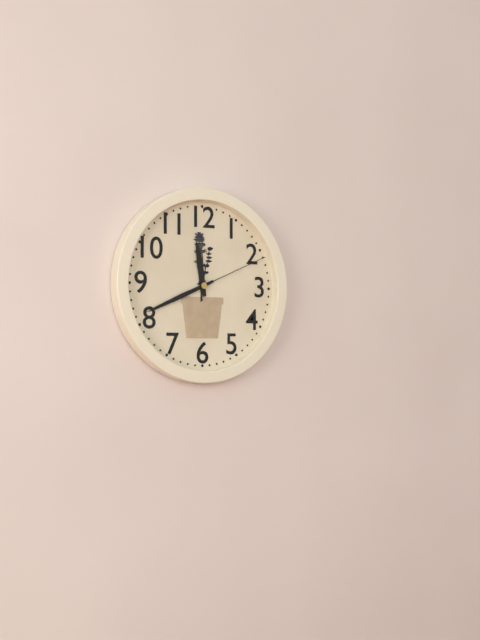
11 h 41 min 11 s
